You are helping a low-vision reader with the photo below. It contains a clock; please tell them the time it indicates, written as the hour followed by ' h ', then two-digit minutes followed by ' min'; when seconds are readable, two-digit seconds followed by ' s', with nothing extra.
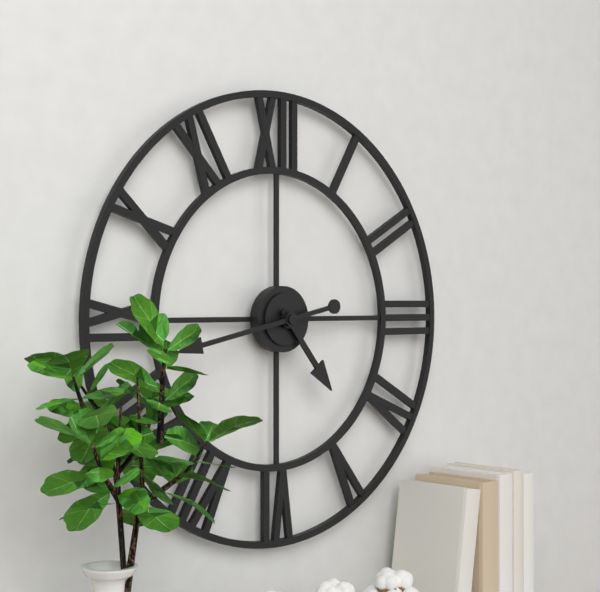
4 h 43 min
